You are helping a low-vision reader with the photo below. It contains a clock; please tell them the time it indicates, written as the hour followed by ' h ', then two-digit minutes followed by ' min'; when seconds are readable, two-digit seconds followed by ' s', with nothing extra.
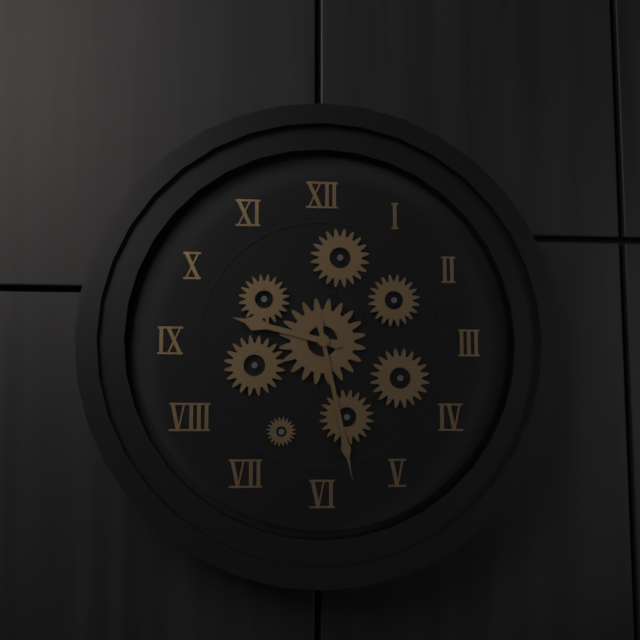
9 h 28 min
